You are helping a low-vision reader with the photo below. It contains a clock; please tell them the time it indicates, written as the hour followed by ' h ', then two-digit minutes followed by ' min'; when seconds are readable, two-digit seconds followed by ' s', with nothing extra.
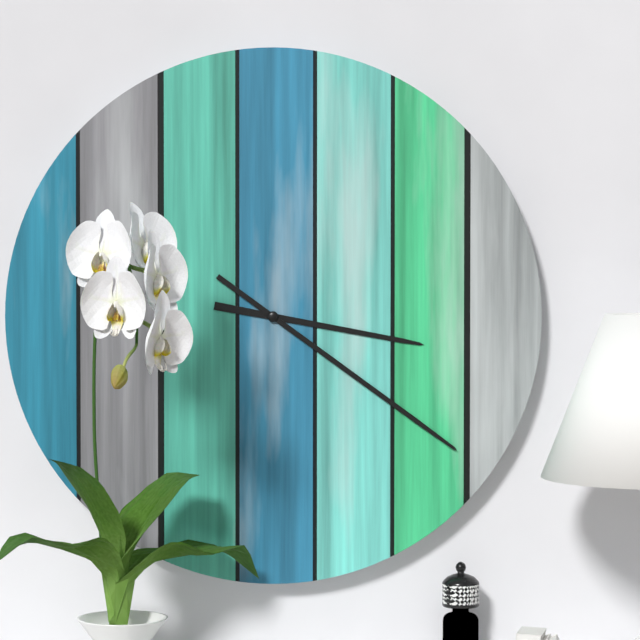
3 h 21 min
